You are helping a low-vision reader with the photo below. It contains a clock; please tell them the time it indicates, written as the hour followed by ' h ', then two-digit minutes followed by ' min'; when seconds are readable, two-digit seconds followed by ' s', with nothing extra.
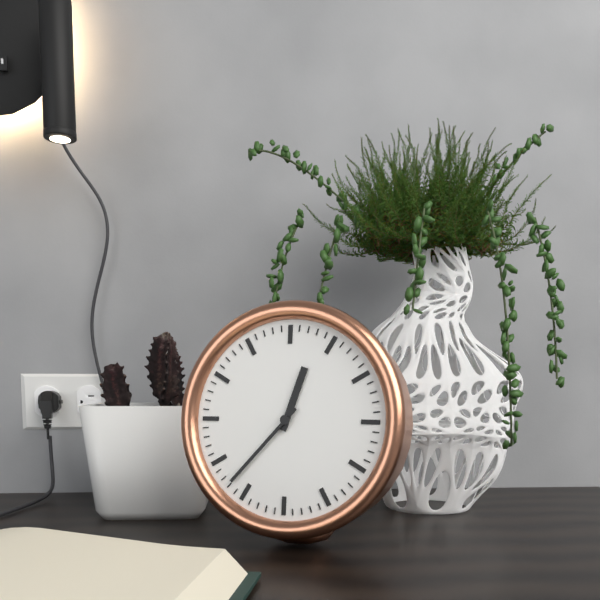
12 h 37 min
